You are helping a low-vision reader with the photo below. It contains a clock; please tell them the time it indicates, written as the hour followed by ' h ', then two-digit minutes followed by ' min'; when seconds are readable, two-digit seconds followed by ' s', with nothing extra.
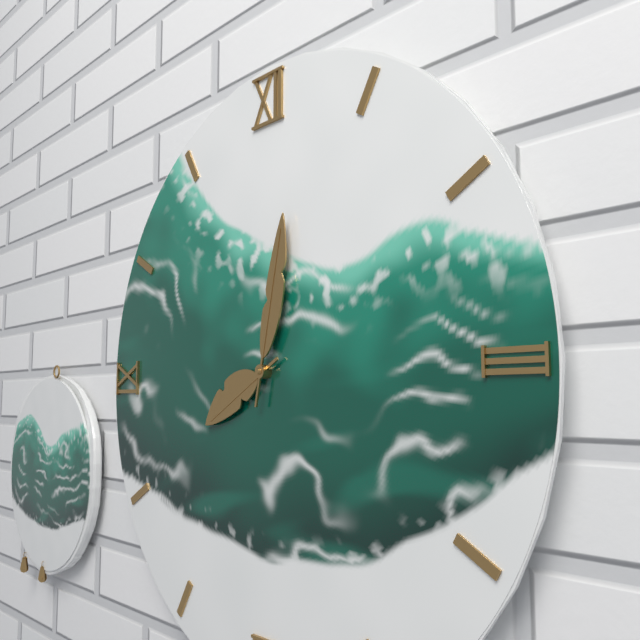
8 h 02 min
